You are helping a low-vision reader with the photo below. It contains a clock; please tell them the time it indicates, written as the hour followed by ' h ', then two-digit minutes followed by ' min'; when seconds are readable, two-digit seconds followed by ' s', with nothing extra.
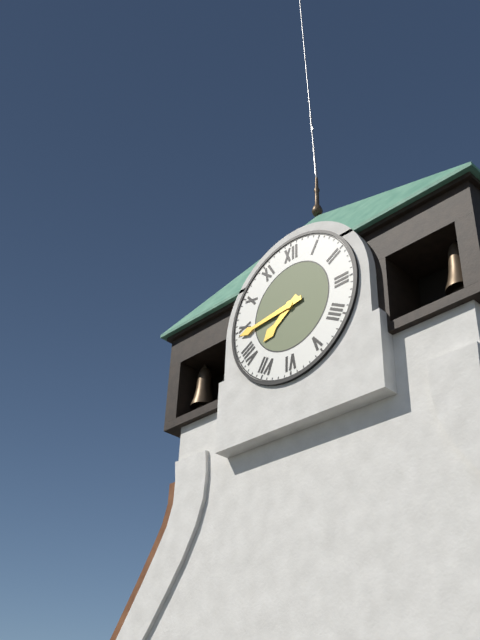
7 h 44 min
